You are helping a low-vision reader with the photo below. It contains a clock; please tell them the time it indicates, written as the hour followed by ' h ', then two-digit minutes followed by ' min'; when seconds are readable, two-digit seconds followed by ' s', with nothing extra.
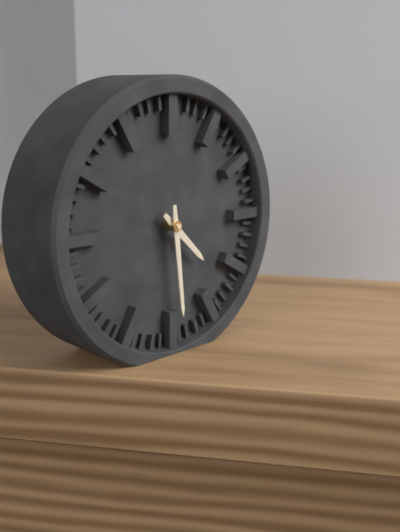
4 h 29 min
